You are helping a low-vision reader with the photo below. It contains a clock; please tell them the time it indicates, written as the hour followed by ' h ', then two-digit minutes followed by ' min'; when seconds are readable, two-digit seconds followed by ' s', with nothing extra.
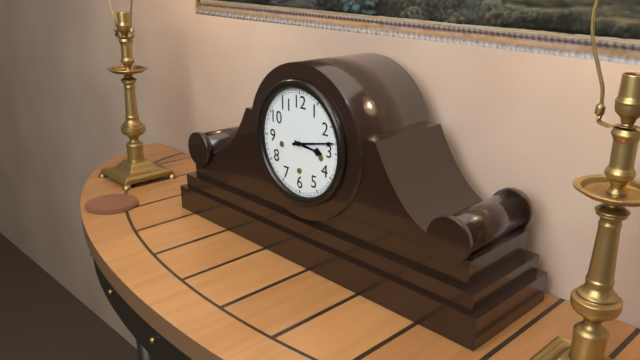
3 h 13 min
